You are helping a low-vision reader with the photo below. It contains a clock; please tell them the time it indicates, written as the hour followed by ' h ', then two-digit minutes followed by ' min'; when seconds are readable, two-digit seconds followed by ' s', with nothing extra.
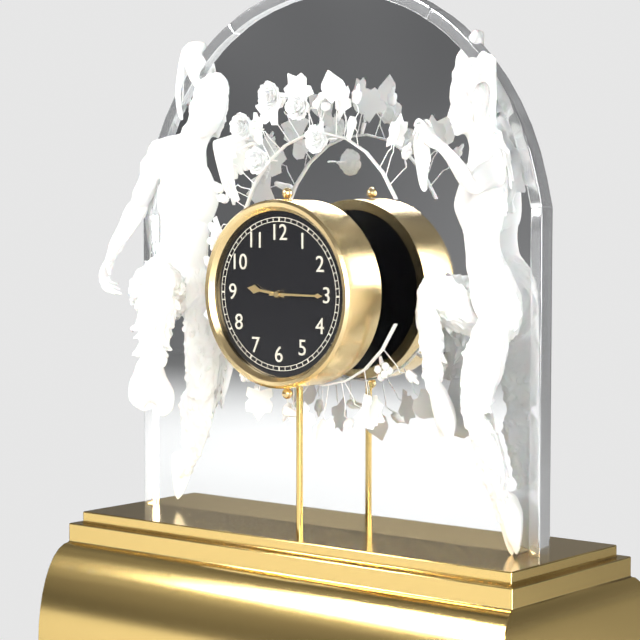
9 h 15 min
